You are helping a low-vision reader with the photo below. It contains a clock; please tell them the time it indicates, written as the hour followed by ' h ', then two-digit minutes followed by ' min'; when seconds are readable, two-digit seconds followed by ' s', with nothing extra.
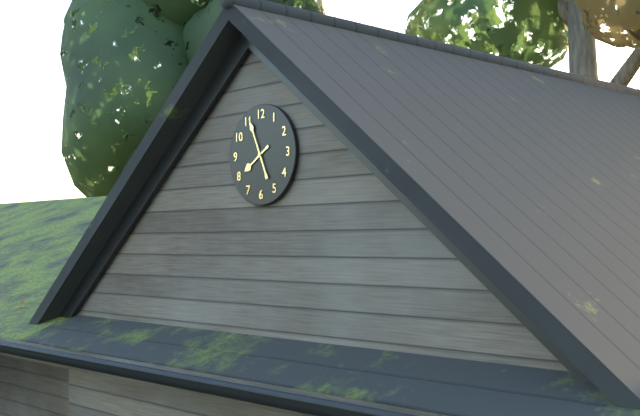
7 h 56 min
